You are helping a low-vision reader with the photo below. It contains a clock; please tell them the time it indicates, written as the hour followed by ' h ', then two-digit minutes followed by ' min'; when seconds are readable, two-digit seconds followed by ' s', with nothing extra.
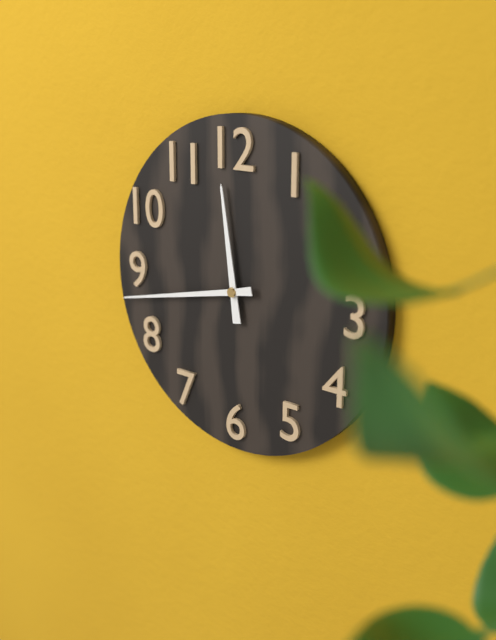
11 h 43 min
